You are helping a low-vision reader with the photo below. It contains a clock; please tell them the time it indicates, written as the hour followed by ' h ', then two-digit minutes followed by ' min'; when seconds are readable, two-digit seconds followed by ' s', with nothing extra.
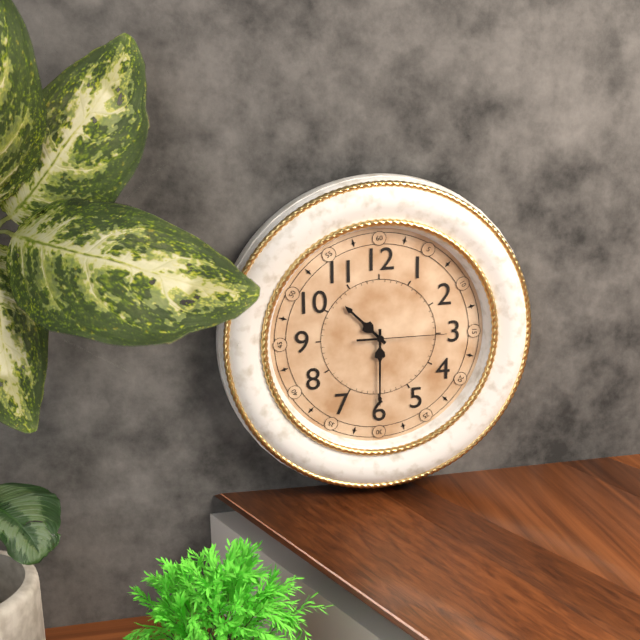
10 h 30 min 15 s
